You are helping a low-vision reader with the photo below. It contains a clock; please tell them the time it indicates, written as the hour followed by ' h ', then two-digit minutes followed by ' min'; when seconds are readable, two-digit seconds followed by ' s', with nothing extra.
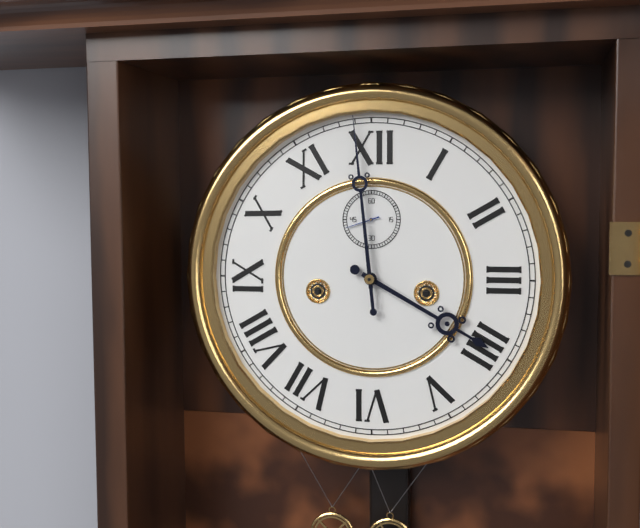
3 h 59 min
